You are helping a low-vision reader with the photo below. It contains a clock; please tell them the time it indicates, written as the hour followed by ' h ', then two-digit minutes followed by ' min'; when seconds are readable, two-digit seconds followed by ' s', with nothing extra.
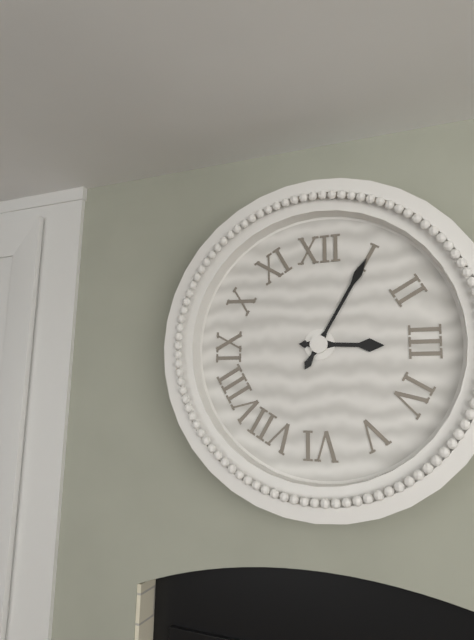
3 h 05 min
